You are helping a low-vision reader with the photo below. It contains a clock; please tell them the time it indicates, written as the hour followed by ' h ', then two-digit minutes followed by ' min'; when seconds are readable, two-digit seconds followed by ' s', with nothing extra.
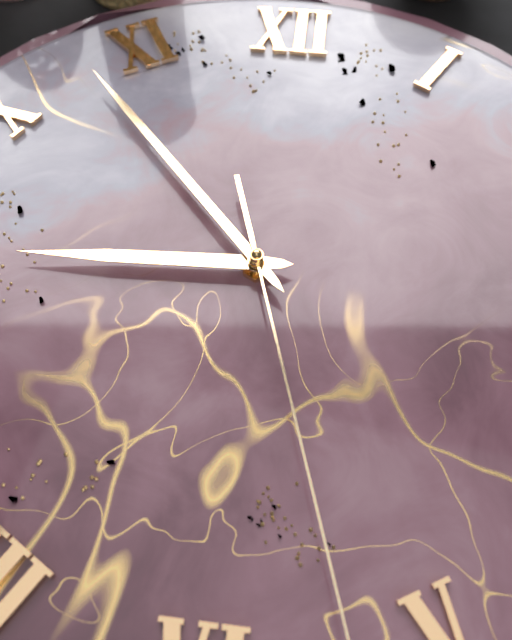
8 h 53 min
